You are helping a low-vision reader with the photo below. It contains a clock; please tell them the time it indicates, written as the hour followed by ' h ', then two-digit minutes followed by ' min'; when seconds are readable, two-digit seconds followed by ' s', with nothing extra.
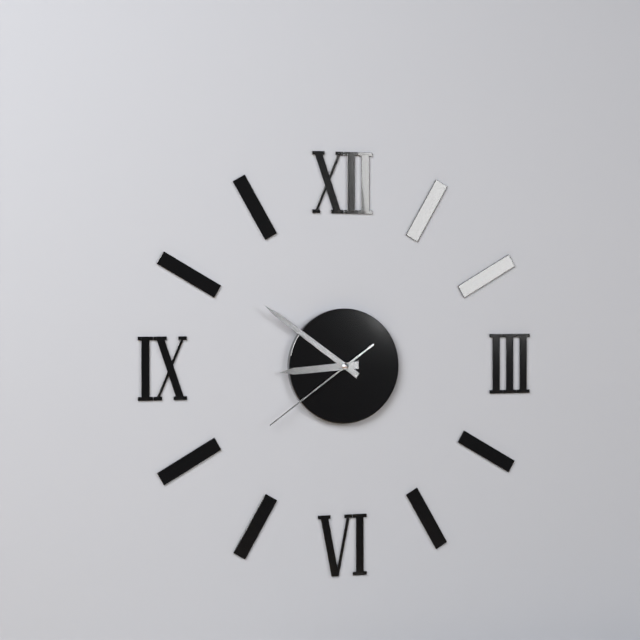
8 h 51 min 39 s
